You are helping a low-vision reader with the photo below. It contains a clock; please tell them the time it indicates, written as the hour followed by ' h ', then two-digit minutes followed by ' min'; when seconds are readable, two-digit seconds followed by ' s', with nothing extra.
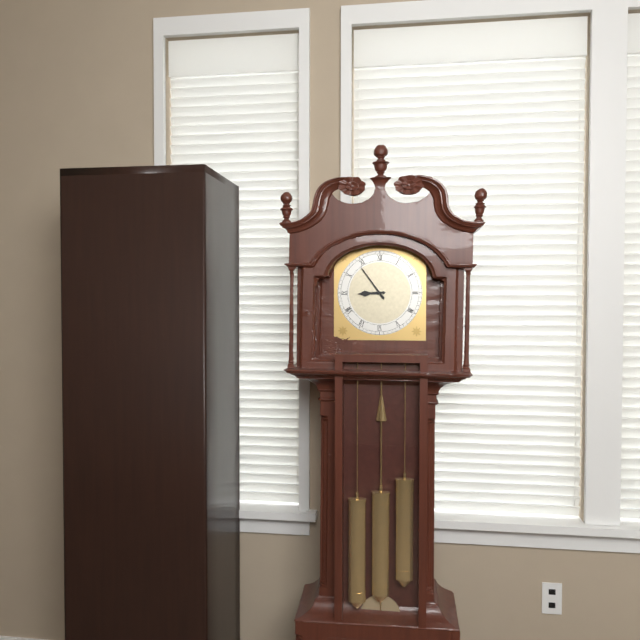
8 h 54 min
